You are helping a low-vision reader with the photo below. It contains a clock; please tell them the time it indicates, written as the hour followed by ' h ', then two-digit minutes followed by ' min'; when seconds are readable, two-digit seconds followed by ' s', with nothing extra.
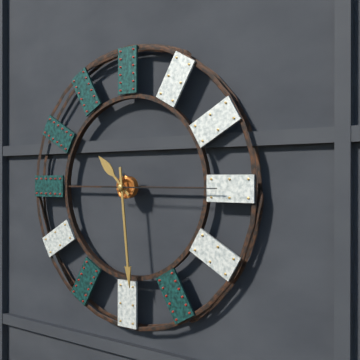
10 h 29 min 15 s
